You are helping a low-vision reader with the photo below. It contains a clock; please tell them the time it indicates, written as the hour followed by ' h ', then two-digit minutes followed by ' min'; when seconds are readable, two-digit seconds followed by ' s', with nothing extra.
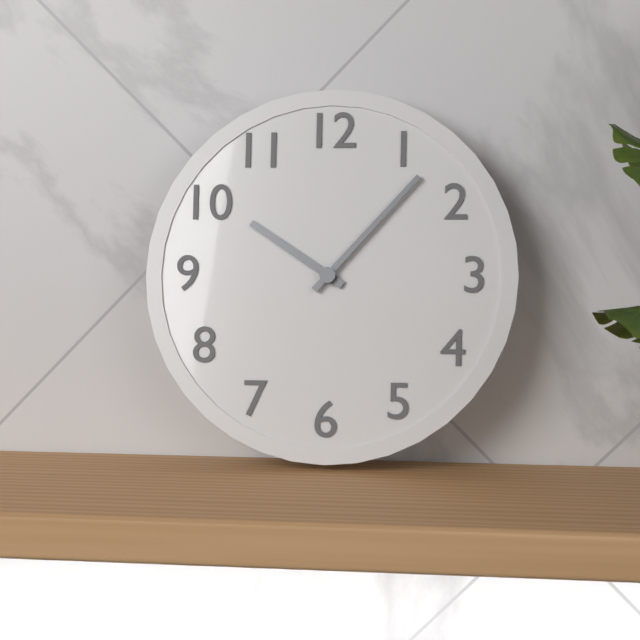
10 h 07 min
